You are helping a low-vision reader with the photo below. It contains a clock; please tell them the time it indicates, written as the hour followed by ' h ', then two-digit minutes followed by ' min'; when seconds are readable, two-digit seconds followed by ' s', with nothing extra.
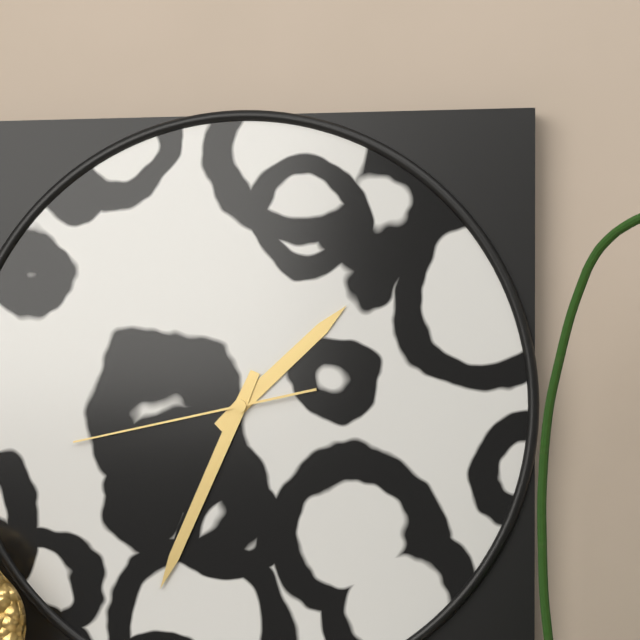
1 h 34 min 43 s
